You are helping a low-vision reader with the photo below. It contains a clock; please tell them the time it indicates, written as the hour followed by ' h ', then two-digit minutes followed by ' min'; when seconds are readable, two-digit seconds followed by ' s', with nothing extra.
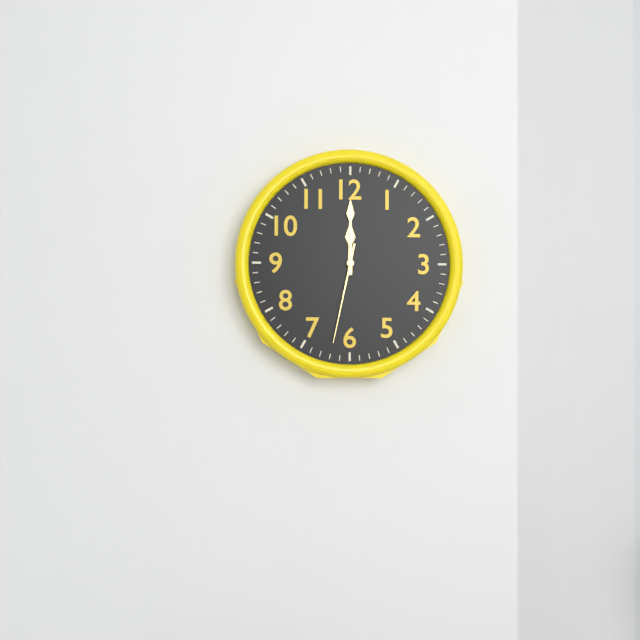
12 h 00 min 32 s
